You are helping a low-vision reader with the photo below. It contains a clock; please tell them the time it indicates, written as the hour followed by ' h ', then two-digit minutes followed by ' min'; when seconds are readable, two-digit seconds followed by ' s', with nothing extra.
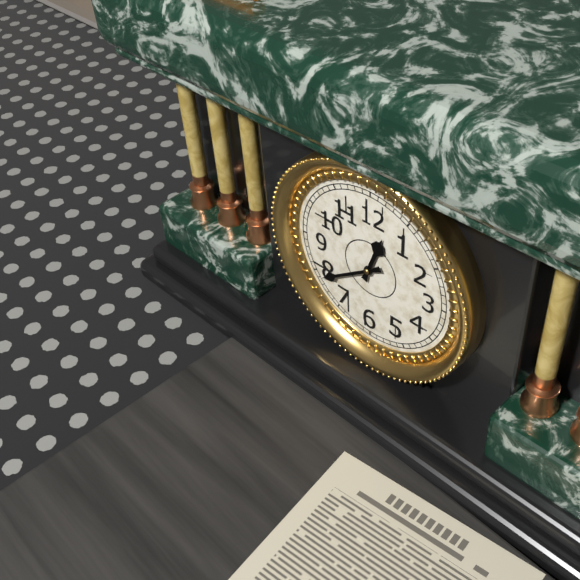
12 h 39 min
